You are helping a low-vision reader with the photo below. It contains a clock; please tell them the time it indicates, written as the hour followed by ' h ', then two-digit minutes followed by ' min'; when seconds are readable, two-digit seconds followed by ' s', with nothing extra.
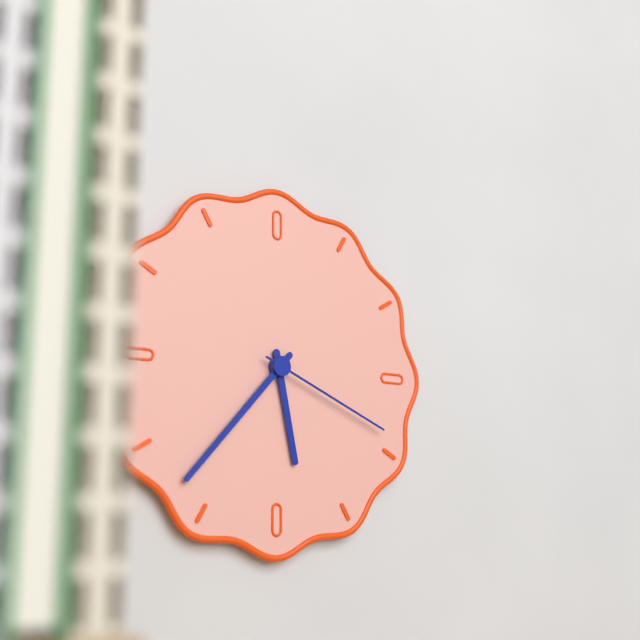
5 h 37 min 19 s
